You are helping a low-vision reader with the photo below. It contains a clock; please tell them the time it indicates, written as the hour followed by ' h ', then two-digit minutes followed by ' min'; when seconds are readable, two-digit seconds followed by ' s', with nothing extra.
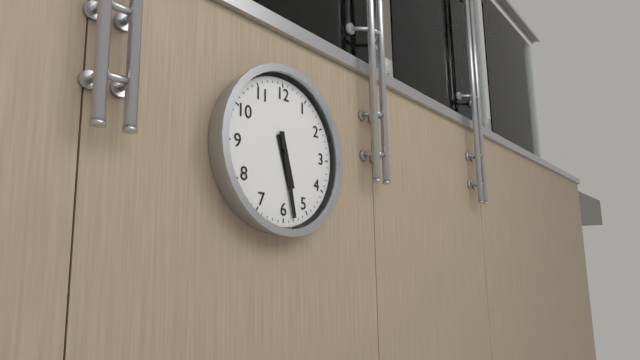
5 h 28 min
